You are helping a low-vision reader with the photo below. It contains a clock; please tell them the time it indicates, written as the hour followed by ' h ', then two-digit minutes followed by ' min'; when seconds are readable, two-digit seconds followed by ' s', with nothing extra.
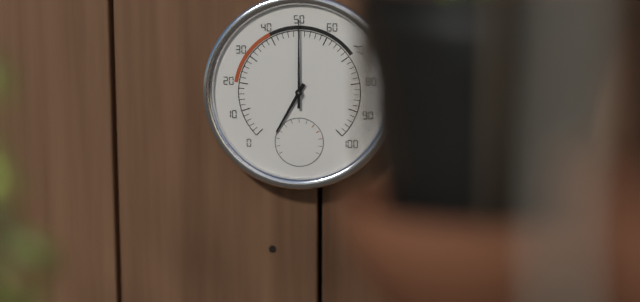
7 h 00 min
